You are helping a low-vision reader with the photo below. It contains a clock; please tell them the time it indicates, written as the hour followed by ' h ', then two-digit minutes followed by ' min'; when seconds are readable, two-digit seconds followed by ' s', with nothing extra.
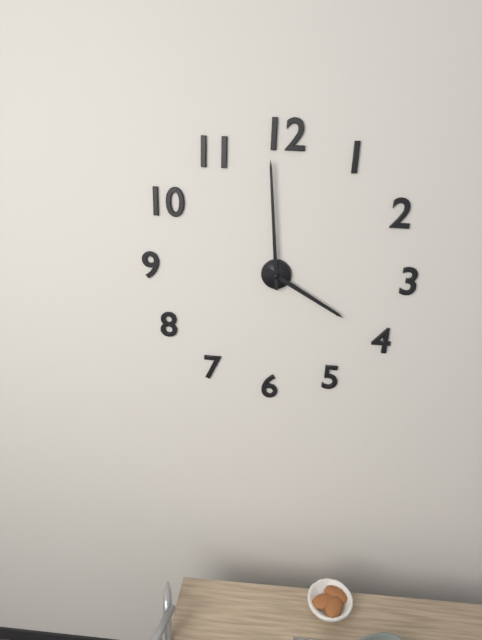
3 h 59 min
